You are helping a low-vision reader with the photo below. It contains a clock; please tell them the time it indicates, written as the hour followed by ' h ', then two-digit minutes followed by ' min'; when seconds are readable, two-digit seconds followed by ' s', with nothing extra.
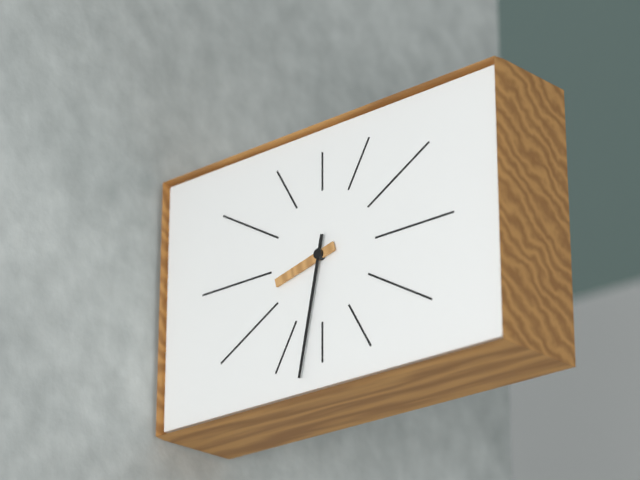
8 h 32 min
